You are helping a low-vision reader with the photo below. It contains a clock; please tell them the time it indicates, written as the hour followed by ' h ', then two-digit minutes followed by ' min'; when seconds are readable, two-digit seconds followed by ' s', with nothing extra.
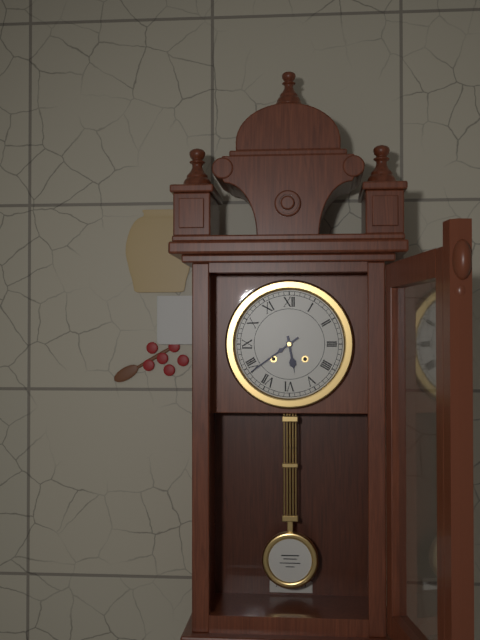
5 h 39 min
